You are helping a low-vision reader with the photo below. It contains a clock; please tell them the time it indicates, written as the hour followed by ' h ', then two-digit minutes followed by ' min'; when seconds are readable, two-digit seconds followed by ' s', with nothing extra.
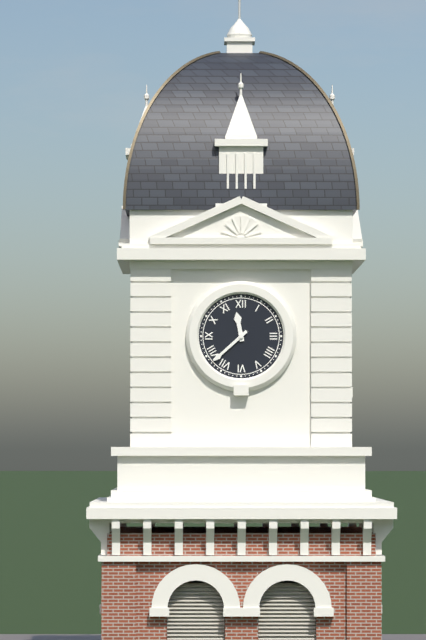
11 h 38 min
